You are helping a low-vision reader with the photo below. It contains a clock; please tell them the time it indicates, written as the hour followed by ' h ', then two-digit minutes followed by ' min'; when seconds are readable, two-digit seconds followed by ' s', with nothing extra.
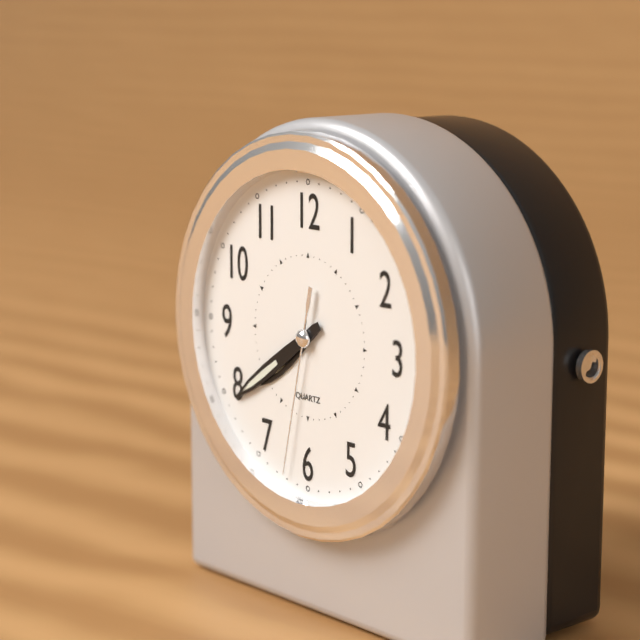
7 h 39 min 32 s
